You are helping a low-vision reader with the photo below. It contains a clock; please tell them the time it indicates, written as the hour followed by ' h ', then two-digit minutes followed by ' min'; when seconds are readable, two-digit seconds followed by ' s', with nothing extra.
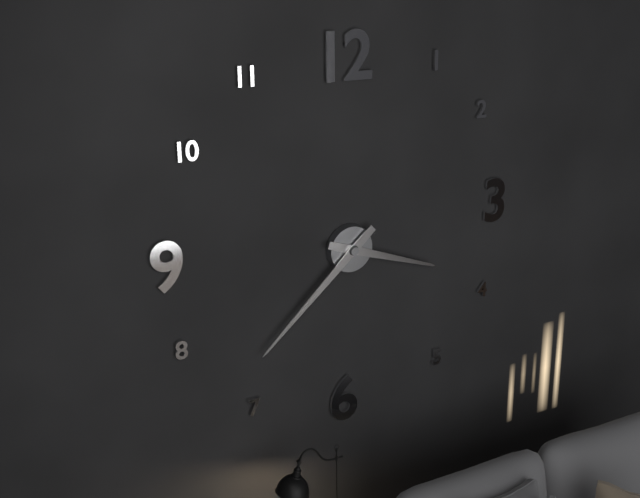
3 h 38 min
